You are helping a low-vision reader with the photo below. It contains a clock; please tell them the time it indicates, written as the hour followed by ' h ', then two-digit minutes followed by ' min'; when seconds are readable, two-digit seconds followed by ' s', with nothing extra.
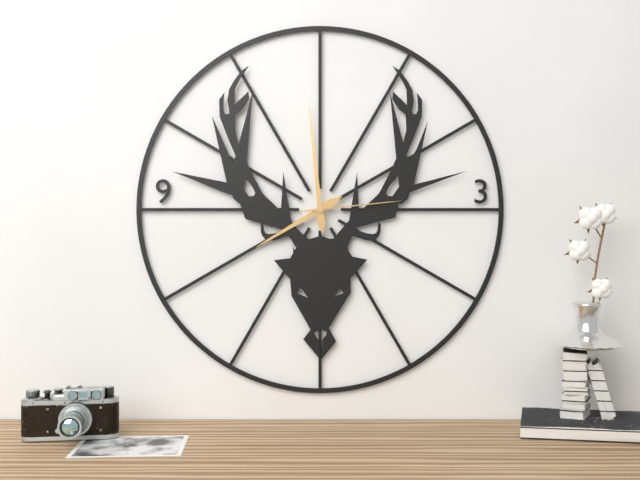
7 h 59 min 14 s
